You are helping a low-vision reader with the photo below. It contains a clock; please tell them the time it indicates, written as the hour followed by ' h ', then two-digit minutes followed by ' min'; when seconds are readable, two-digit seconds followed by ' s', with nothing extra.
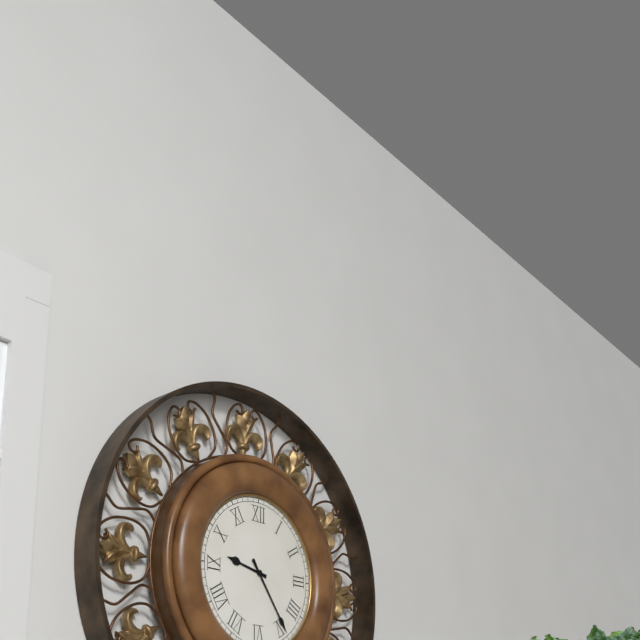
9 h 24 min
